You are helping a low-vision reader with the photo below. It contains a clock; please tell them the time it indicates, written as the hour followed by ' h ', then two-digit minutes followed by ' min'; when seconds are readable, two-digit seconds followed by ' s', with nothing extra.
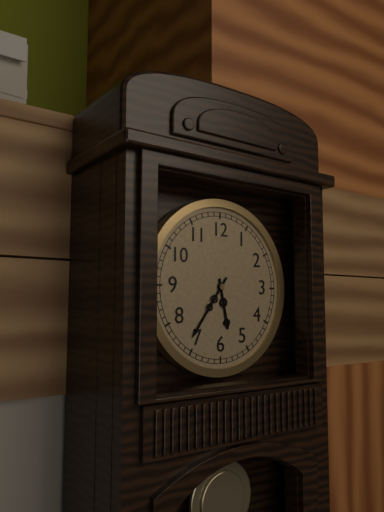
5 h 36 min
